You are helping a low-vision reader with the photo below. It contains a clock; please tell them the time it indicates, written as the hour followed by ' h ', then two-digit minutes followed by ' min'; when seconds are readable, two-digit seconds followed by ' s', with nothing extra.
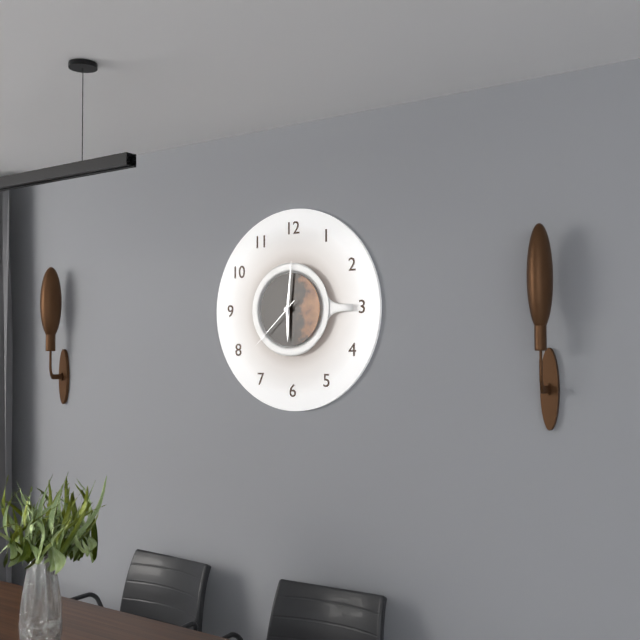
6 h 01 min 38 s
